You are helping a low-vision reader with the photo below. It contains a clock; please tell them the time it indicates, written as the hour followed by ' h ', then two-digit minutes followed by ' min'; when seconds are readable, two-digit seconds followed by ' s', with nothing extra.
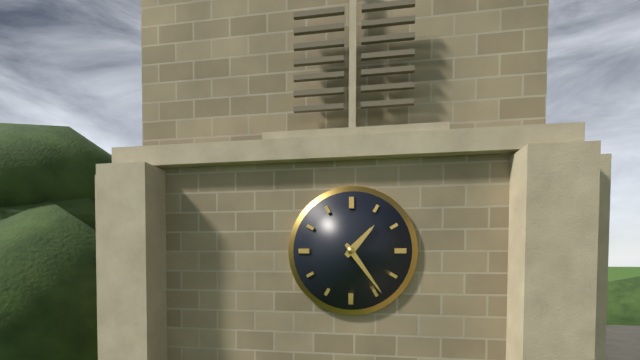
1 h 24 min
